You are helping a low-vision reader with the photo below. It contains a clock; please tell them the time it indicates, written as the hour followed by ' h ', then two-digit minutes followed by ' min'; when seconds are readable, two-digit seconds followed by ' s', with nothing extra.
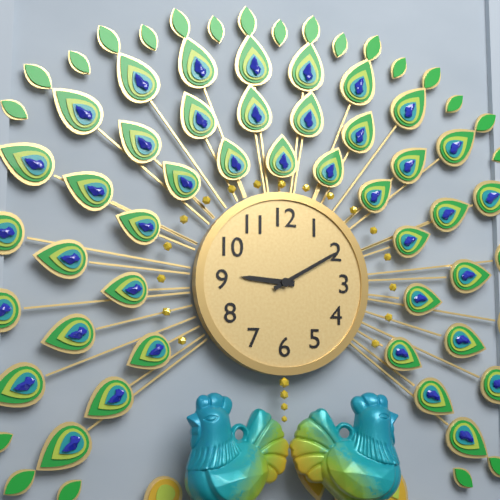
9 h 10 min
